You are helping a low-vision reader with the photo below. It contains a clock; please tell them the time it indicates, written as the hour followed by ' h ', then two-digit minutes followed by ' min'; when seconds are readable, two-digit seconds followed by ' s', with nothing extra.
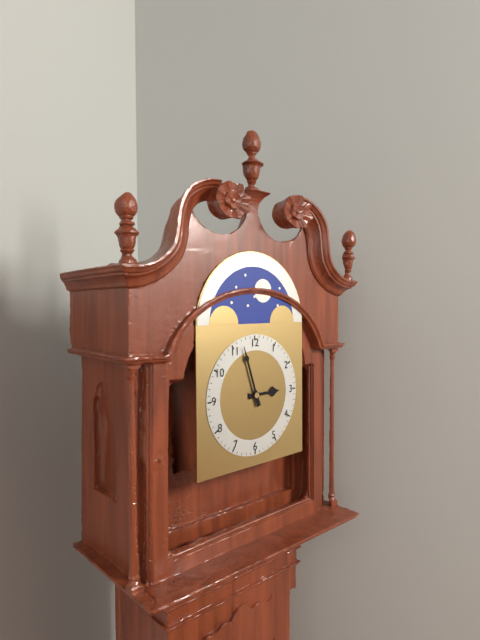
2 h 57 min
